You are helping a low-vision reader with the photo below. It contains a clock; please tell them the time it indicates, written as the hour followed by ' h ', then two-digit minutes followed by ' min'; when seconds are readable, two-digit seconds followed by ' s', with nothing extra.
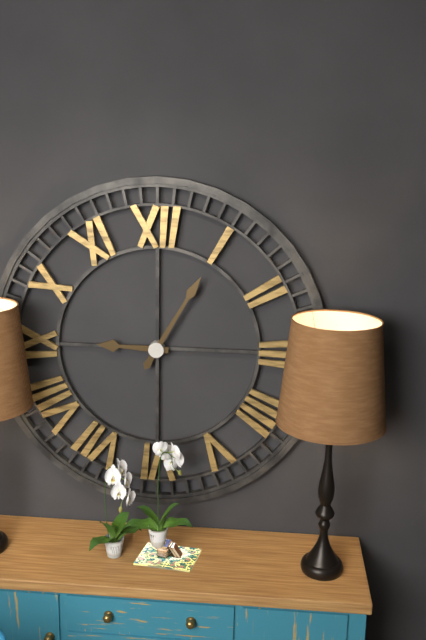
9 h 05 min
